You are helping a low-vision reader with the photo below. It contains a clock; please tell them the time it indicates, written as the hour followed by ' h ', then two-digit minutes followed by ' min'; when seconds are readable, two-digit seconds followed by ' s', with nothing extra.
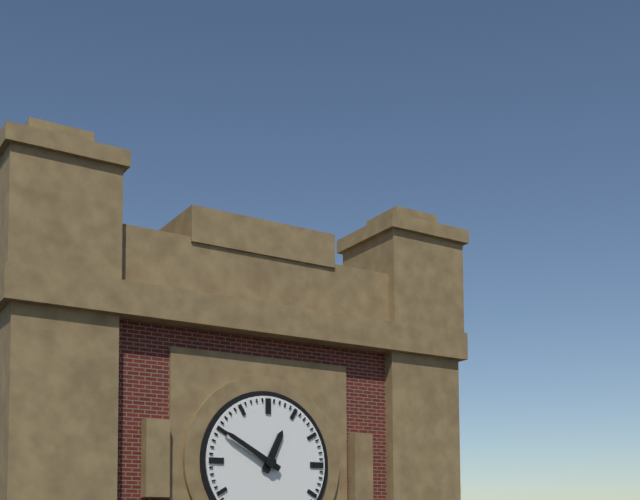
12 h 50 min
